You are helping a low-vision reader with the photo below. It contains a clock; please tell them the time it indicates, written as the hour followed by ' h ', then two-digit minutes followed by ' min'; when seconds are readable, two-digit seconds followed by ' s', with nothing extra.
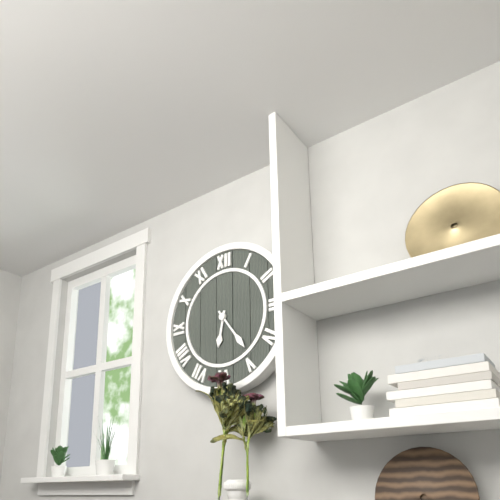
6 h 24 min
